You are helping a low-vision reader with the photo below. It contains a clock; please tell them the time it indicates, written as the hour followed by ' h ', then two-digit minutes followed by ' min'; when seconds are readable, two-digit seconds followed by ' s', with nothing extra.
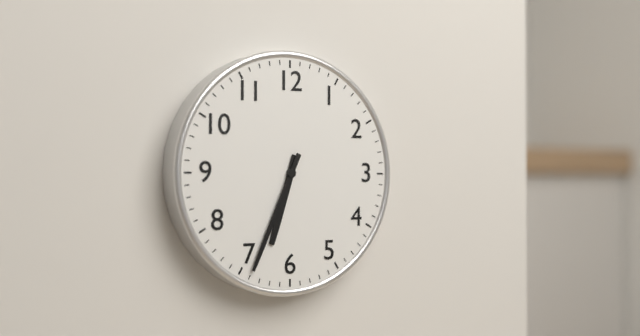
6 h 34 min
